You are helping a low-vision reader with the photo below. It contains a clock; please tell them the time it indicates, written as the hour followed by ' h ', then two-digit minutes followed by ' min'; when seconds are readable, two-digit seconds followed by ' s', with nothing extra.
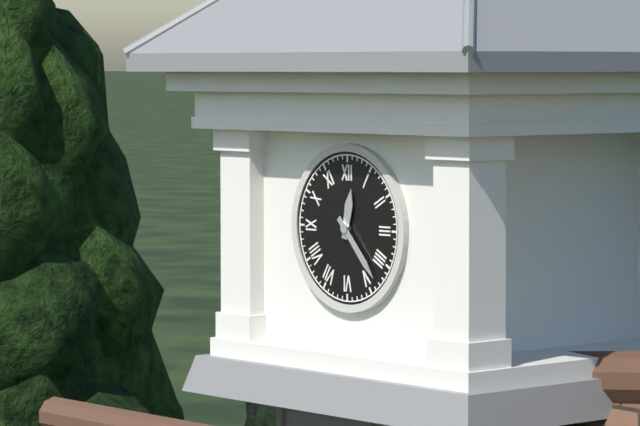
12 h 23 min
